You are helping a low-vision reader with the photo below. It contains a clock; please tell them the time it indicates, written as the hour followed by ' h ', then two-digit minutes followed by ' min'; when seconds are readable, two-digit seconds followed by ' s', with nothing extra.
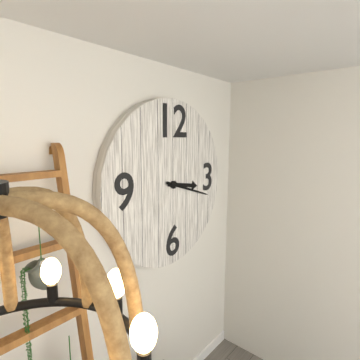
3 h 18 min
